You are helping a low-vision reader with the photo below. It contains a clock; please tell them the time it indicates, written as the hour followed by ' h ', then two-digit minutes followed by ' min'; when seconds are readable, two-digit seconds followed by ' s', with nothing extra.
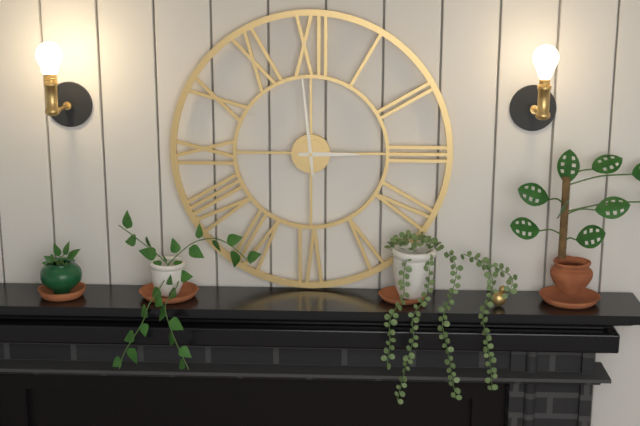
2 h 59 min
